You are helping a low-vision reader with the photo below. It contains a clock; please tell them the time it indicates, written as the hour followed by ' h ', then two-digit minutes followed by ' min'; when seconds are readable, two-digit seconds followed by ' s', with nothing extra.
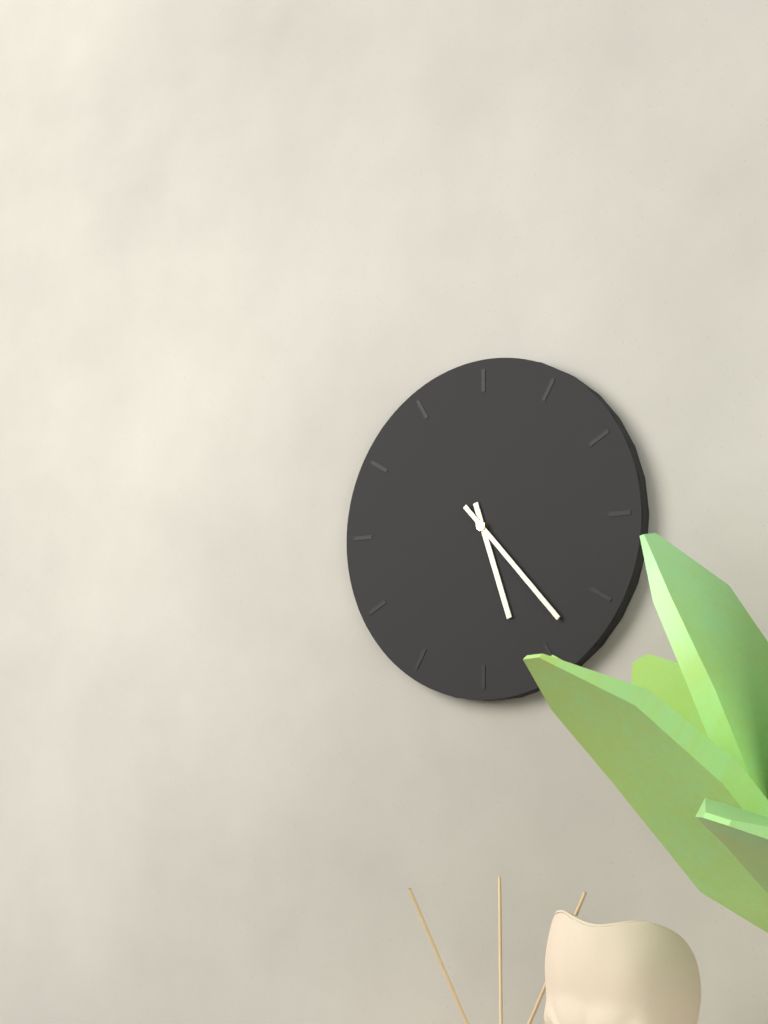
5 h 23 min
